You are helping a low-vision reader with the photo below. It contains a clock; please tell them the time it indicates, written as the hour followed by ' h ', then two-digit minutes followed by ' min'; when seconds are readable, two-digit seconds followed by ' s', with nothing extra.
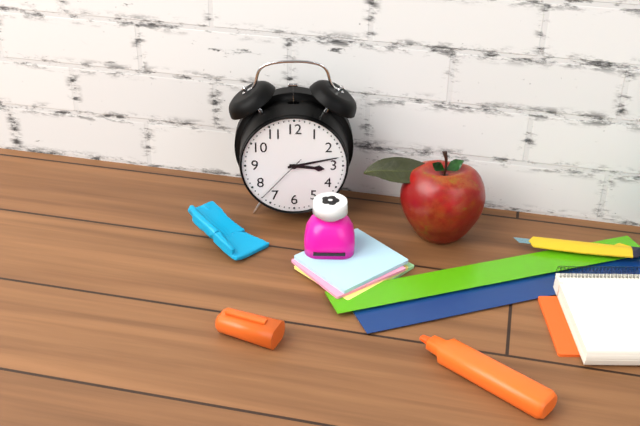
3 h 13 min 37 s
